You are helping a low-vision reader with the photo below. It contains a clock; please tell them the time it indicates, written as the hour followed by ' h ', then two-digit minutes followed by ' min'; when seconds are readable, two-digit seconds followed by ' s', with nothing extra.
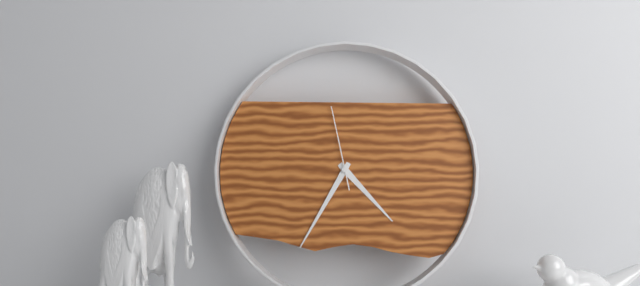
4 h 35 min 58 s
